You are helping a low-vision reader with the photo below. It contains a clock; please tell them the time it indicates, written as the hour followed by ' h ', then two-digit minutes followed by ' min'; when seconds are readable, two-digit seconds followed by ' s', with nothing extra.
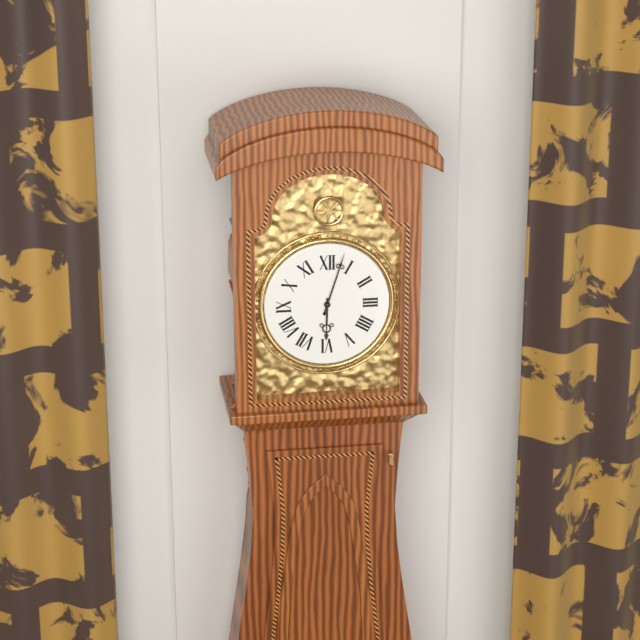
6 h 03 min
